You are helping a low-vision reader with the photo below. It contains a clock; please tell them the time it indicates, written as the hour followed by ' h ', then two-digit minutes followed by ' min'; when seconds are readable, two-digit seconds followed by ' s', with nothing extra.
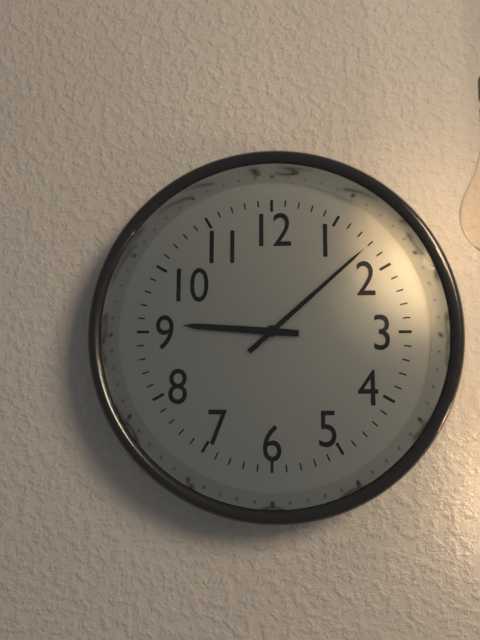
9 h 08 min
